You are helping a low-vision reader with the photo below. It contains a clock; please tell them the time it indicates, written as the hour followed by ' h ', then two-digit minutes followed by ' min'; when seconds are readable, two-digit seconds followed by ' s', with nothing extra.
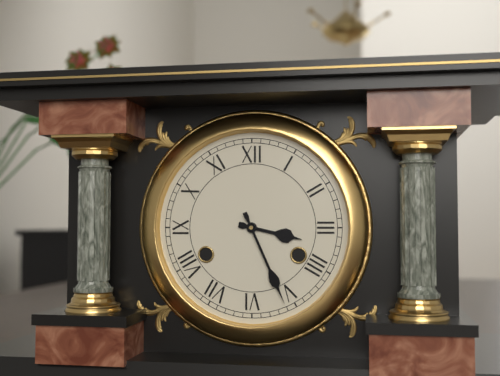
3 h 26 min
